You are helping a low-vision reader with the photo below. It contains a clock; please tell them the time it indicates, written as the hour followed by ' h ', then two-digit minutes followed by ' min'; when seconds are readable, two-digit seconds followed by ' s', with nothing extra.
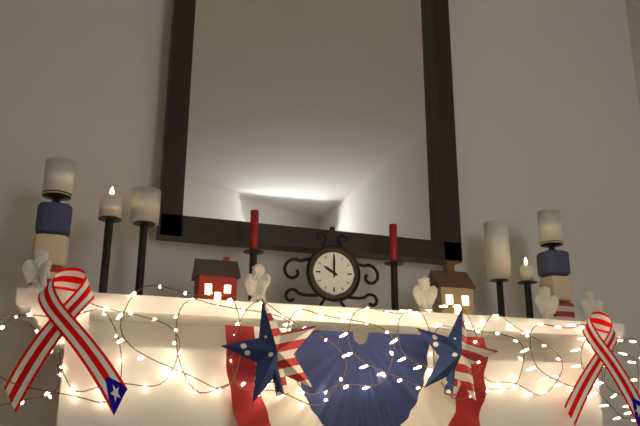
10 h 00 min
